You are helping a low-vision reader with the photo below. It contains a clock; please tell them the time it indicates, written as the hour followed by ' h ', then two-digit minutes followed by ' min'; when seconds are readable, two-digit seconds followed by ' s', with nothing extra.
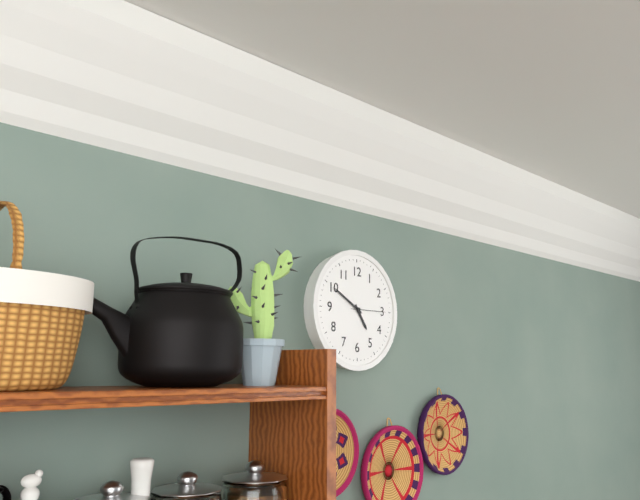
4 h 50 min
